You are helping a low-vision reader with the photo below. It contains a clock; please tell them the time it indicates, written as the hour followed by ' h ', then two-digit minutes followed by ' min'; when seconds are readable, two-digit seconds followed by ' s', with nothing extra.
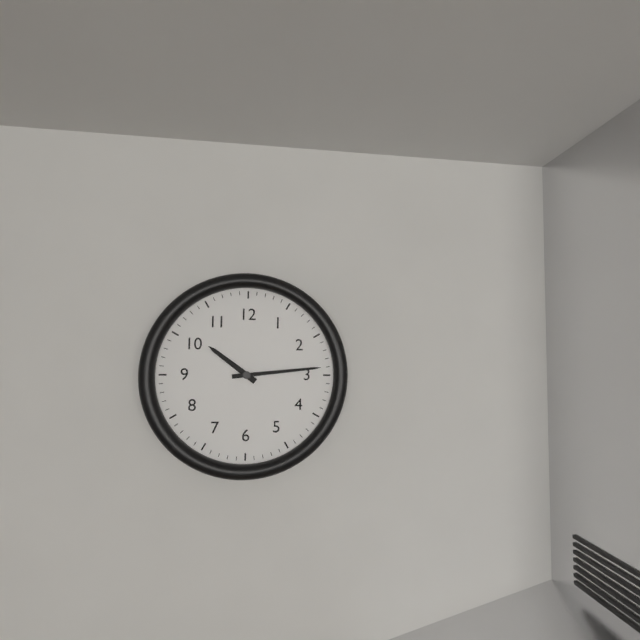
10 h 14 min
